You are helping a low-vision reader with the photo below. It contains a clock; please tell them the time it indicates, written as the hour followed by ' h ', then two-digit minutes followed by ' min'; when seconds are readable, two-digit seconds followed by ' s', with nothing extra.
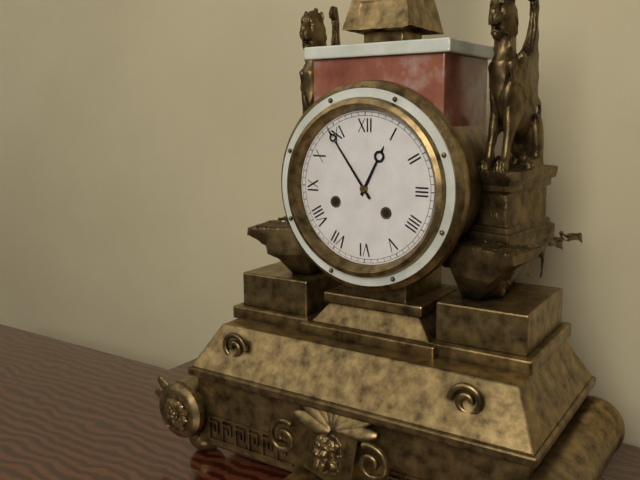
12 h 54 min
